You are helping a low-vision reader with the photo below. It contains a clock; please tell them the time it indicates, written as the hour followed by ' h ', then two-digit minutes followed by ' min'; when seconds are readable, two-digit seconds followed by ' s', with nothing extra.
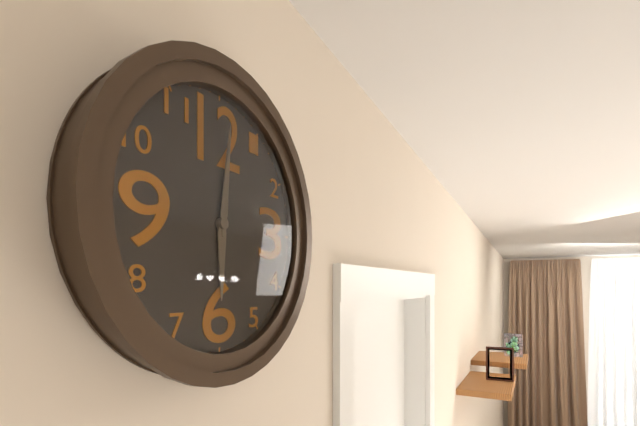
6 h 01 min
